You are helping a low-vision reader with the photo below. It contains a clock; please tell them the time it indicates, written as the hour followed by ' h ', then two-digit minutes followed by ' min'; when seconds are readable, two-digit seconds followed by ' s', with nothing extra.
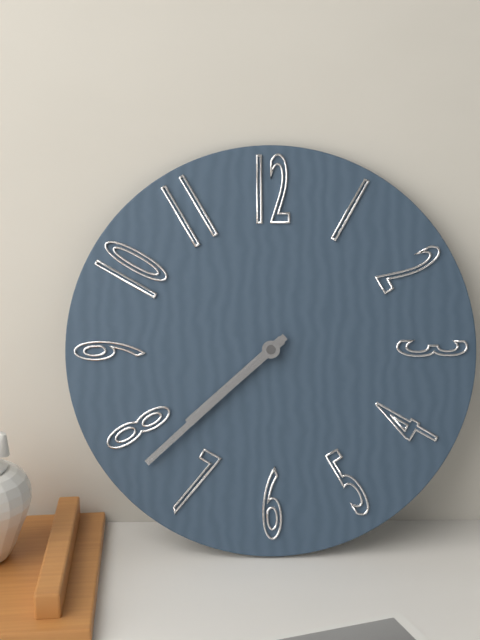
7 h 38 min
